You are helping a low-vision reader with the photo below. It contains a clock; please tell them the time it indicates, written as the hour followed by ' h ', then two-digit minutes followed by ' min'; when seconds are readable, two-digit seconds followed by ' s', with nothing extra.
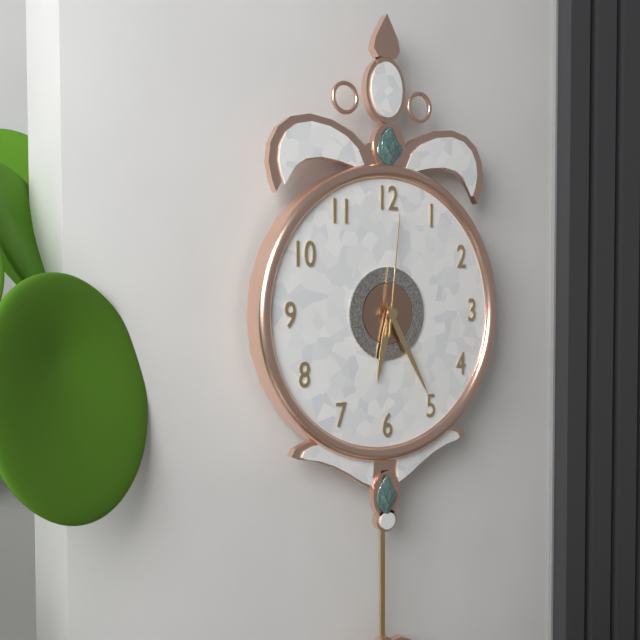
6 h 25 min 01 s
